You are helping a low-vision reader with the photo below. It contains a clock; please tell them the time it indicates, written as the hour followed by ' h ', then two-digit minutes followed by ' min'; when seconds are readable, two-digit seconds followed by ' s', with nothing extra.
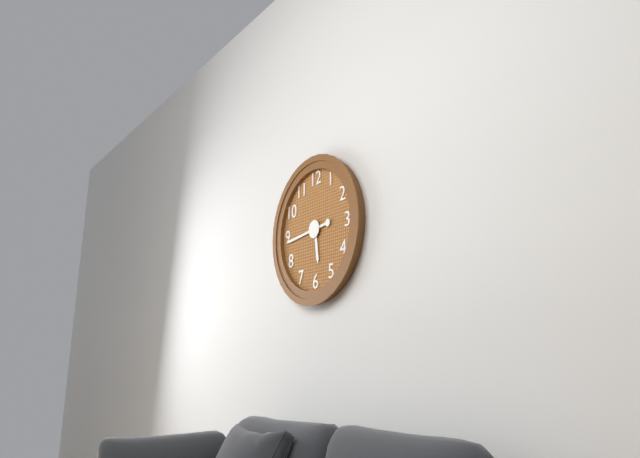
5 h 44 min
